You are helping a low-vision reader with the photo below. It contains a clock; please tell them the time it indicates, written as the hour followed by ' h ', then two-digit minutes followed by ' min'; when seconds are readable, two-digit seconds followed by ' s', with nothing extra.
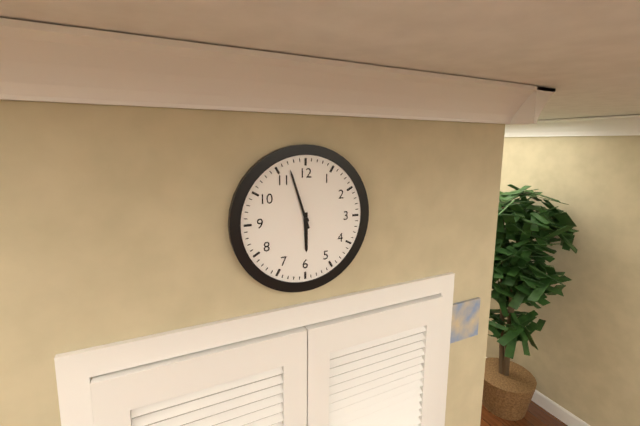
5 h 57 min
